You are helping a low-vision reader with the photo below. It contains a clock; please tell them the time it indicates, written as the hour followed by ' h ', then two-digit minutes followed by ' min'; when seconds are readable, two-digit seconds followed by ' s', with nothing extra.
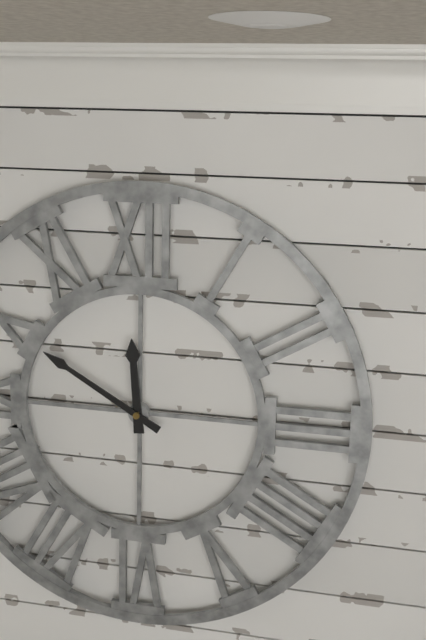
11 h 50 min
